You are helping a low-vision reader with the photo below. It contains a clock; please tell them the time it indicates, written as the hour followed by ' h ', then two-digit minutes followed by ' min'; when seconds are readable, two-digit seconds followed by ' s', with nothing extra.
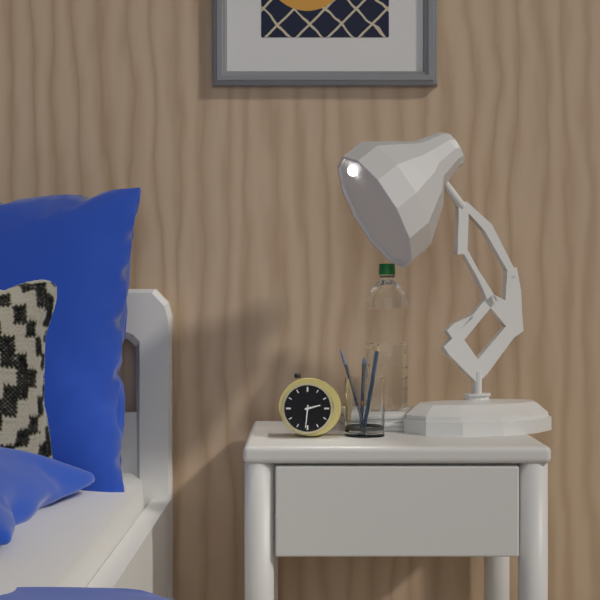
2 h 31 min
